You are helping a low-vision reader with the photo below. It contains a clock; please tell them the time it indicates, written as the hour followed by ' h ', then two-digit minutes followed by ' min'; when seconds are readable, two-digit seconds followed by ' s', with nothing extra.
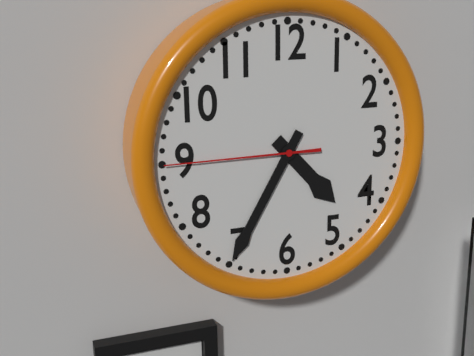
4 h 35 min 45 s
